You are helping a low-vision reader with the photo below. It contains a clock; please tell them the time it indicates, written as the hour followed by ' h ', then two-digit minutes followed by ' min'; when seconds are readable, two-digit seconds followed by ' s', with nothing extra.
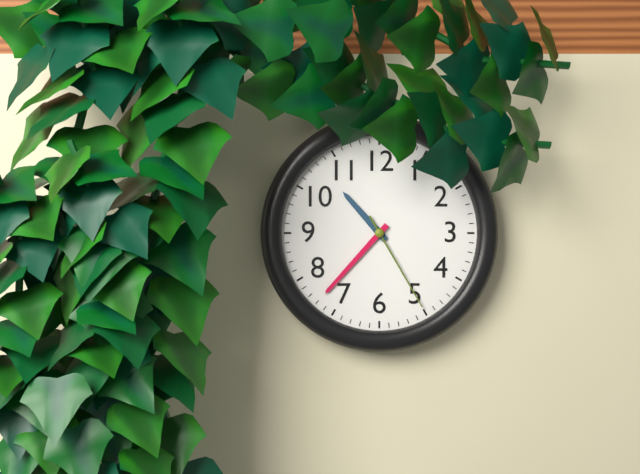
10 h 37 min 25 s
